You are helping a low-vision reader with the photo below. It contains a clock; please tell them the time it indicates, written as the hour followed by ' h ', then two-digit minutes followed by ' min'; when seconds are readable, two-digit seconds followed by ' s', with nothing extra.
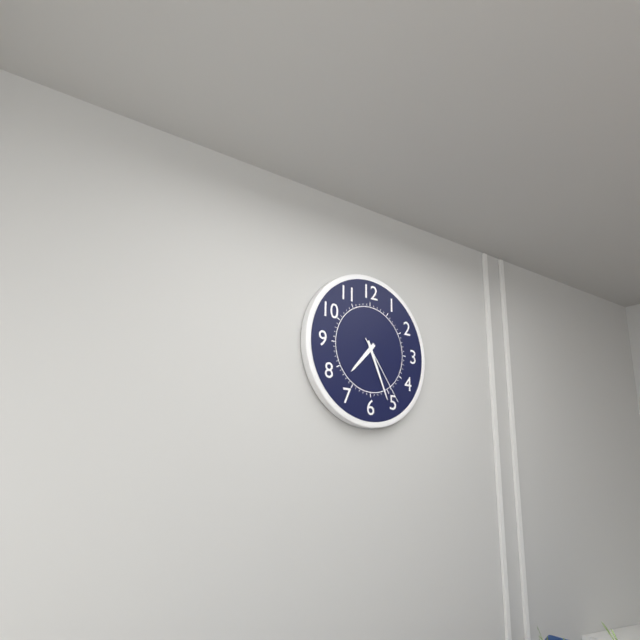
7 h 26 min 24 s
